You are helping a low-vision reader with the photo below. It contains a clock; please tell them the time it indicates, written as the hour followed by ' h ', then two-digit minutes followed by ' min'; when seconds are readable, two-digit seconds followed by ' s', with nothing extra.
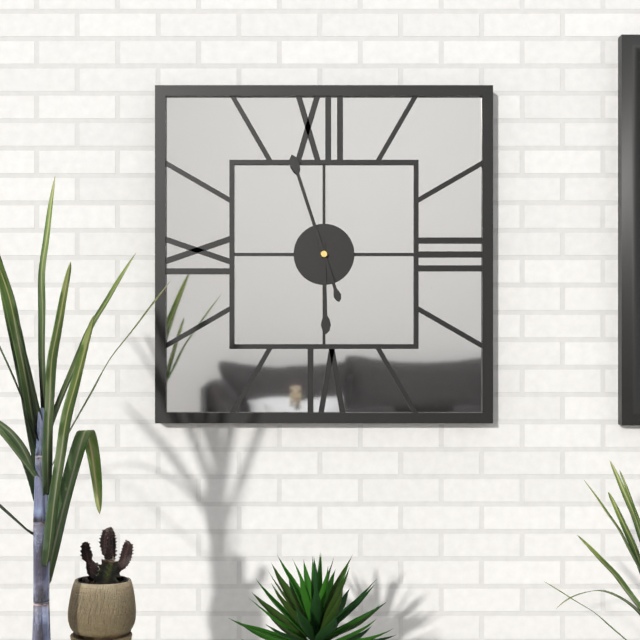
5 h 57 min
